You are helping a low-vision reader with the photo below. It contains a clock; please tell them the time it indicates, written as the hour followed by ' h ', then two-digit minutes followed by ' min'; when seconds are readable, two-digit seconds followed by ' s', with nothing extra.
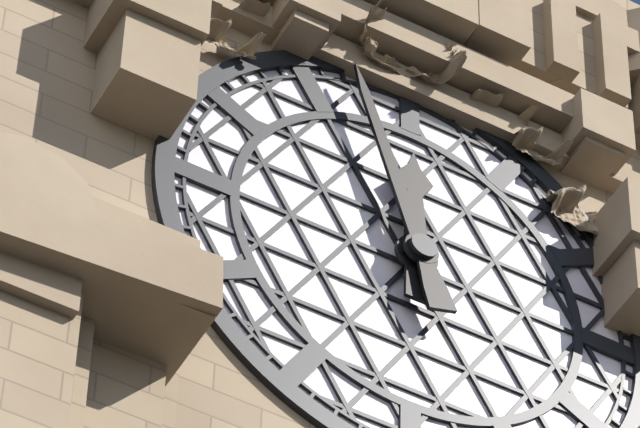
11 h 57 min
